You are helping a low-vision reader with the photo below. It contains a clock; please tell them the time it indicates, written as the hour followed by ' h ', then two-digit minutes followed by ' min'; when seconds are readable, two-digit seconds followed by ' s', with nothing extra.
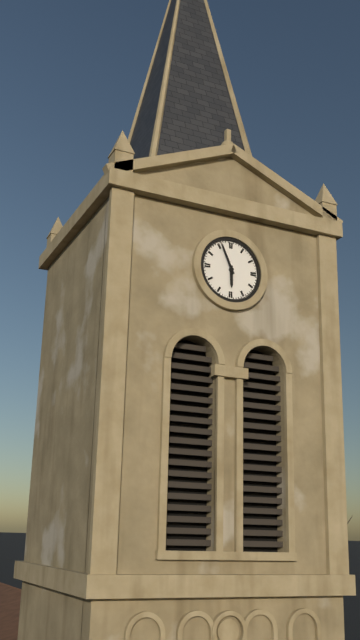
5 h 56 min
